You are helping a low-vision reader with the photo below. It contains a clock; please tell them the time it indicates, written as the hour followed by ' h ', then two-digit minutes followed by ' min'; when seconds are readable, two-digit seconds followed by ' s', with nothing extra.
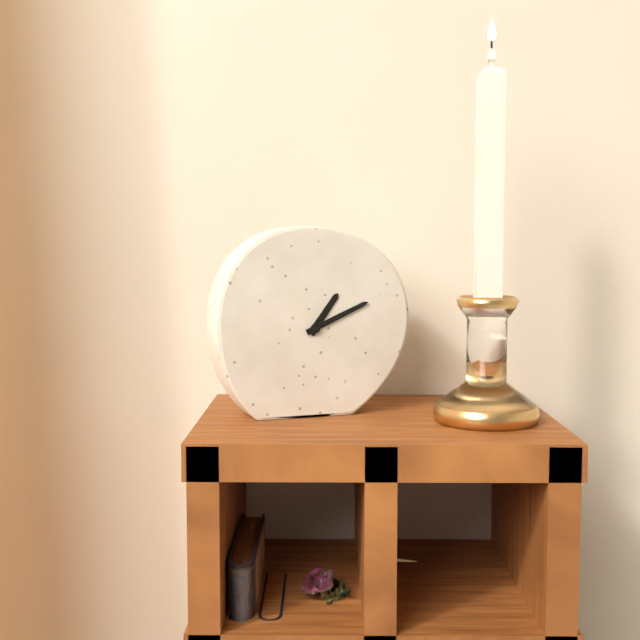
1 h 11 min
